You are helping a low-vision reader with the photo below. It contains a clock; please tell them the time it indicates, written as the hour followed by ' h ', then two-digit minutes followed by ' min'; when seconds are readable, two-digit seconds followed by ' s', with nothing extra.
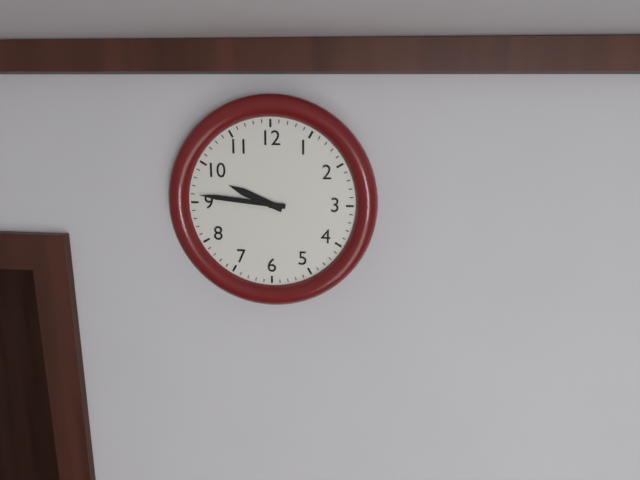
9 h 46 min
